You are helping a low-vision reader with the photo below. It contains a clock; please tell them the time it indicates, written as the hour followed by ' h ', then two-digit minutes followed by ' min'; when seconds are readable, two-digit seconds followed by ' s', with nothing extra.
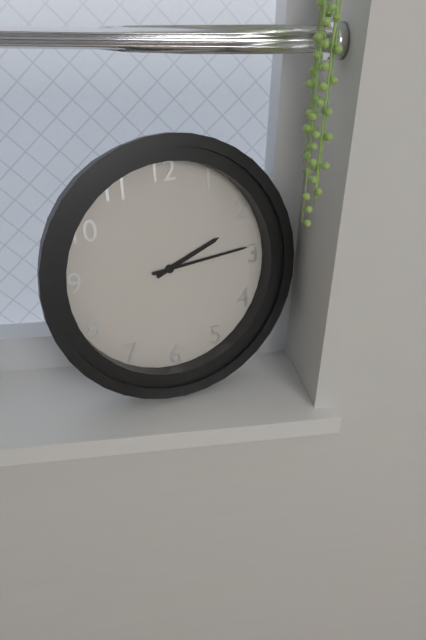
2 h 14 min
